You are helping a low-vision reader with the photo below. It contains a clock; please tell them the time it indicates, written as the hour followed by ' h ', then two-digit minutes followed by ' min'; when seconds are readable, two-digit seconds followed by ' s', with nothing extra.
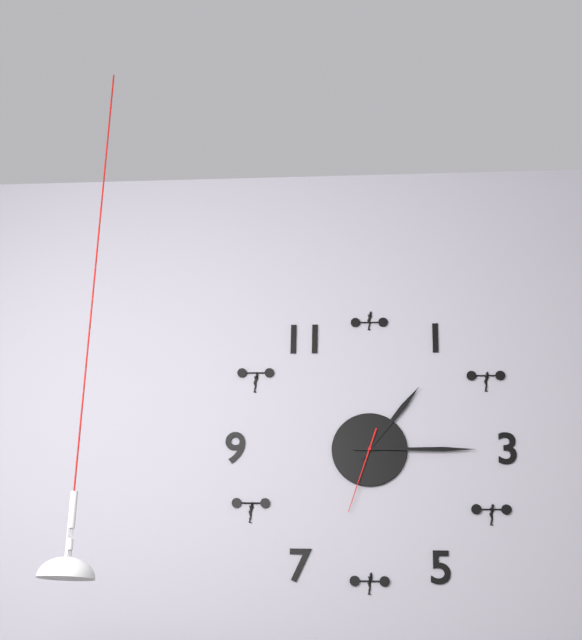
1 h 15 min 33 s
